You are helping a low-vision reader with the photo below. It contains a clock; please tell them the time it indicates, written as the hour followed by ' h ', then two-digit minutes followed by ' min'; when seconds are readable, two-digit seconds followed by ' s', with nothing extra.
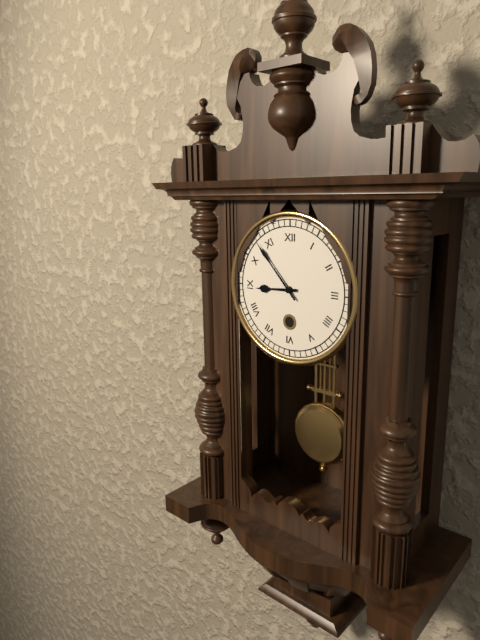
8 h 53 min
